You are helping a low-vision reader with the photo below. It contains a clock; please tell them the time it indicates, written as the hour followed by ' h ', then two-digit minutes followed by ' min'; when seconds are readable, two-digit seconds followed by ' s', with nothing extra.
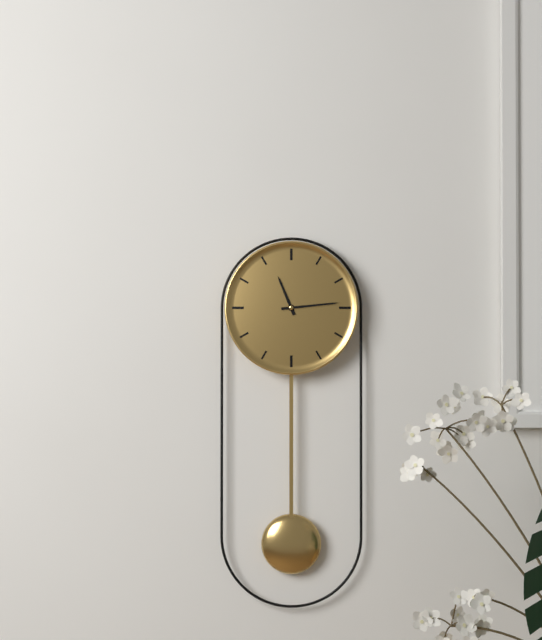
11 h 14 min
